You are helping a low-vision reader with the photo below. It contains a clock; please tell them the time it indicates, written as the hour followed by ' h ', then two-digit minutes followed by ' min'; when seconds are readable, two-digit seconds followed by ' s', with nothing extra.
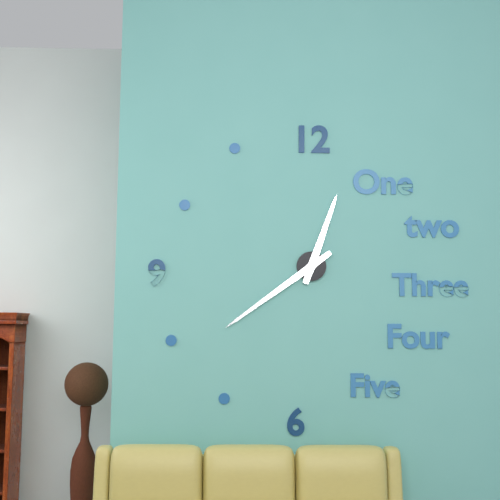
12 h 39 min
